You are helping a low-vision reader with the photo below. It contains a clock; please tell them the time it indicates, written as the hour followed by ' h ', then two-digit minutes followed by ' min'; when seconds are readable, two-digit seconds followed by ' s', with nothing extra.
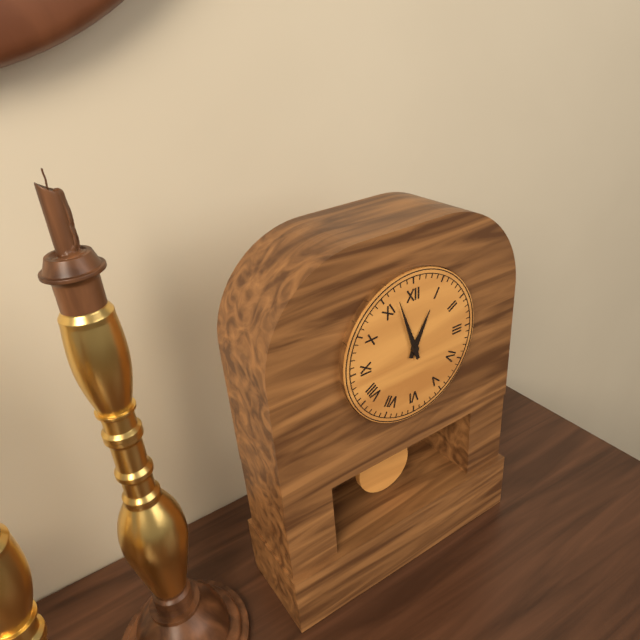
12 h 57 min
